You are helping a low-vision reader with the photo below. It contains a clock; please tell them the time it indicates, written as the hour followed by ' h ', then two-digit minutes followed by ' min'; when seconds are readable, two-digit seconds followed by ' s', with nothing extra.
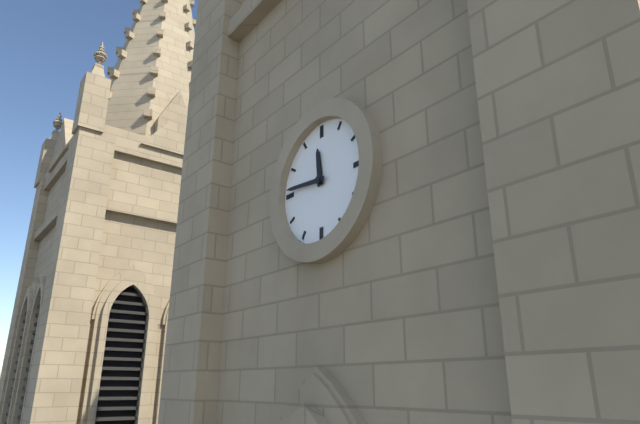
11 h 46 min
